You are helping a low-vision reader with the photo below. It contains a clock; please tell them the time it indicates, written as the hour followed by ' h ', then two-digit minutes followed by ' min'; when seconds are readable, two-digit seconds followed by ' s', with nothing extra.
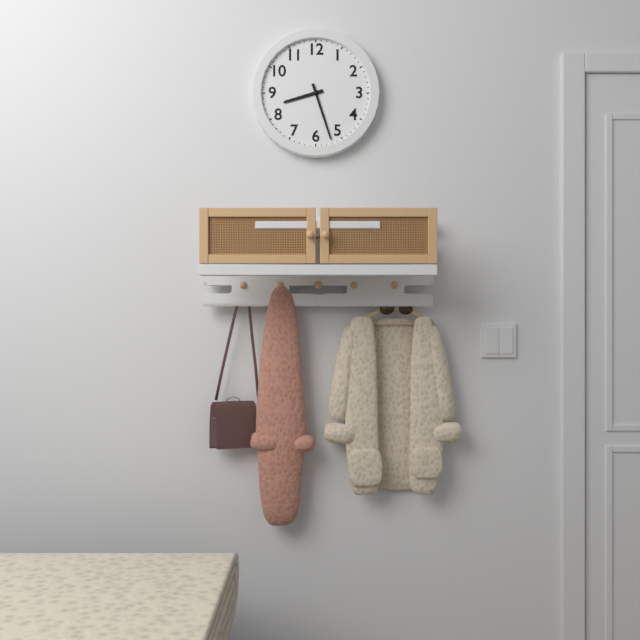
8 h 27 min
